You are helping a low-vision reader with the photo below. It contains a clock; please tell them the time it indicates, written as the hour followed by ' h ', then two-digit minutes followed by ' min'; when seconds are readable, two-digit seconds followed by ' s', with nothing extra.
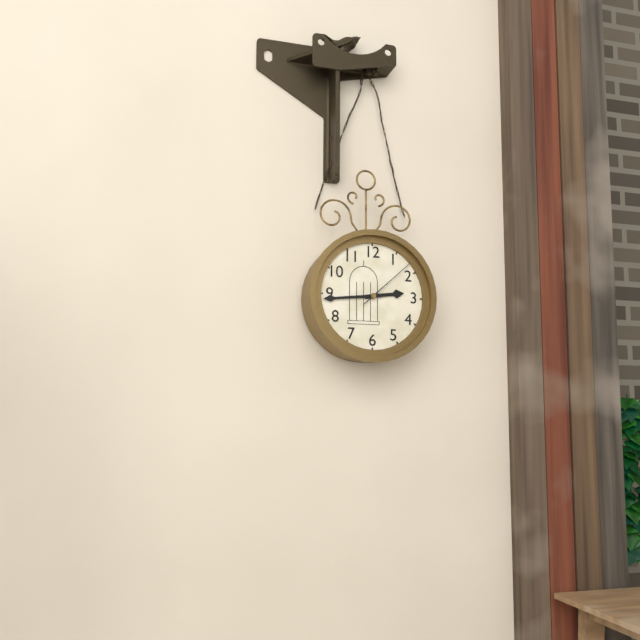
2 h 44 min 08 s
